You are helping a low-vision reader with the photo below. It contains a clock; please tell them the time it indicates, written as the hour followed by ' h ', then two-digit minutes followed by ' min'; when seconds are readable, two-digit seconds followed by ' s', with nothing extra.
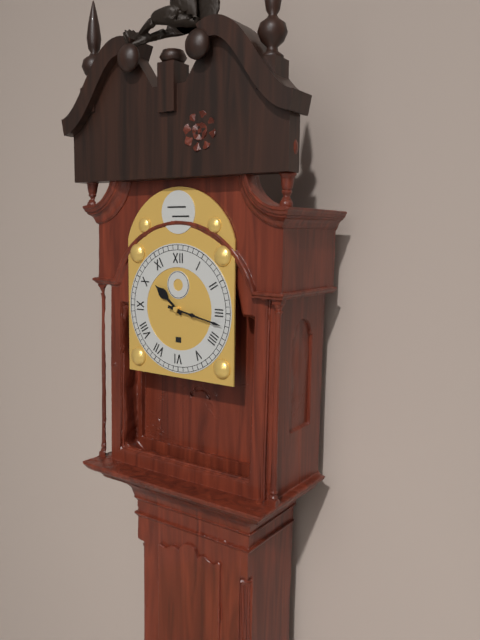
10 h 17 min
